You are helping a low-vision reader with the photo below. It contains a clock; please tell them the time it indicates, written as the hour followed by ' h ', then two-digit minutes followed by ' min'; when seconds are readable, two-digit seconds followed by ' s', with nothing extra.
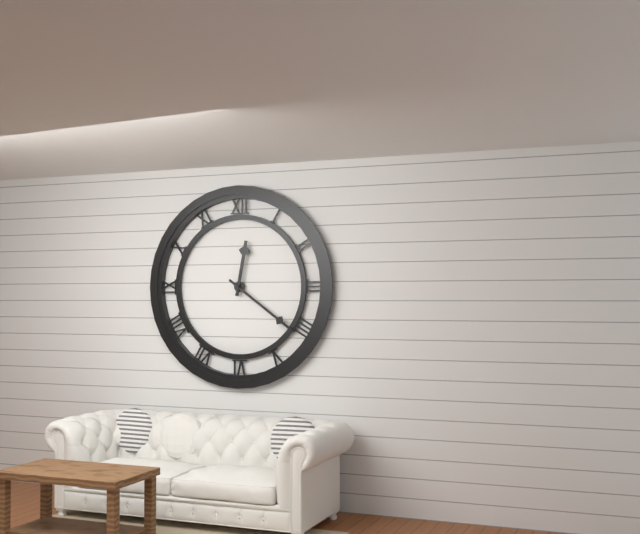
12 h 21 min
